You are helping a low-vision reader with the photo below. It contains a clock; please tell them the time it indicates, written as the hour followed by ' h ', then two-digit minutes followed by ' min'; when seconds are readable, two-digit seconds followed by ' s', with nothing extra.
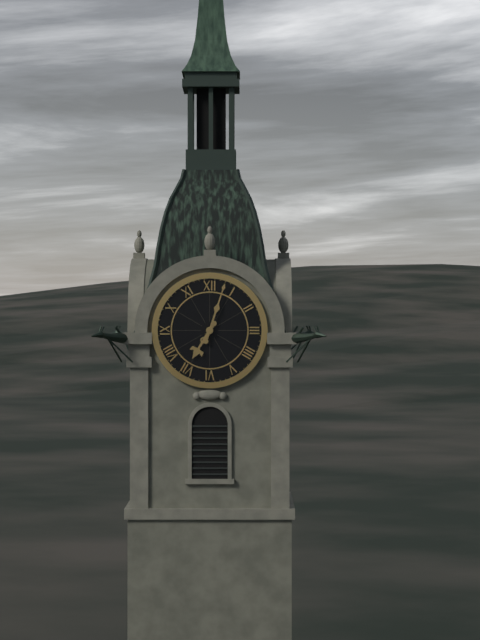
7 h 03 min
